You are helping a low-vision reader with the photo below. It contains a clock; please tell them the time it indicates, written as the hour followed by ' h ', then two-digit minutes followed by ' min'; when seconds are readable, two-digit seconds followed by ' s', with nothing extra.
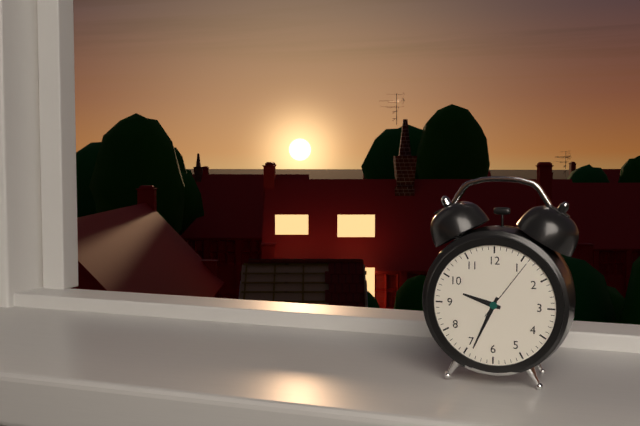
9 h 34 min 06 s
